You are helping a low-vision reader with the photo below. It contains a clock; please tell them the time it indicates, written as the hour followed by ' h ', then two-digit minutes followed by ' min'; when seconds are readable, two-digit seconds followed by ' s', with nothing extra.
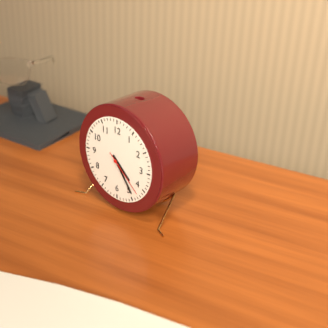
4 h 24 min
